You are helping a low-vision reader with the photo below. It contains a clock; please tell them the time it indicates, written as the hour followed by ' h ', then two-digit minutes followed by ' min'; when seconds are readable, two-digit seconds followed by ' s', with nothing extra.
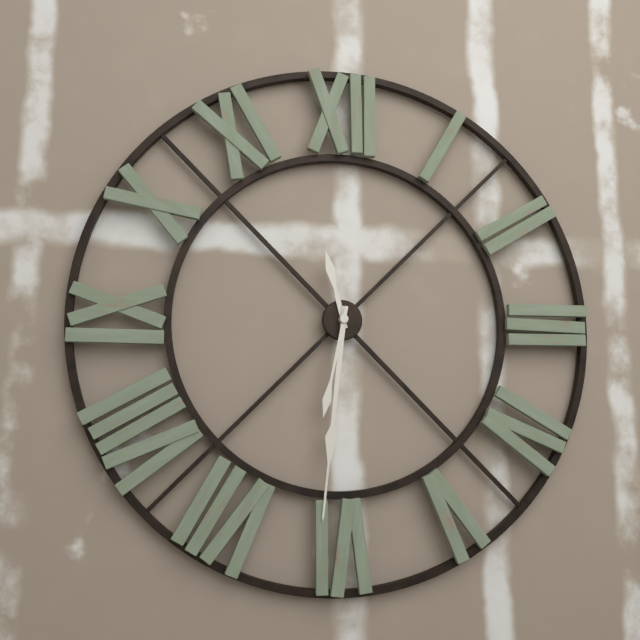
11 h 31 min 32 s
